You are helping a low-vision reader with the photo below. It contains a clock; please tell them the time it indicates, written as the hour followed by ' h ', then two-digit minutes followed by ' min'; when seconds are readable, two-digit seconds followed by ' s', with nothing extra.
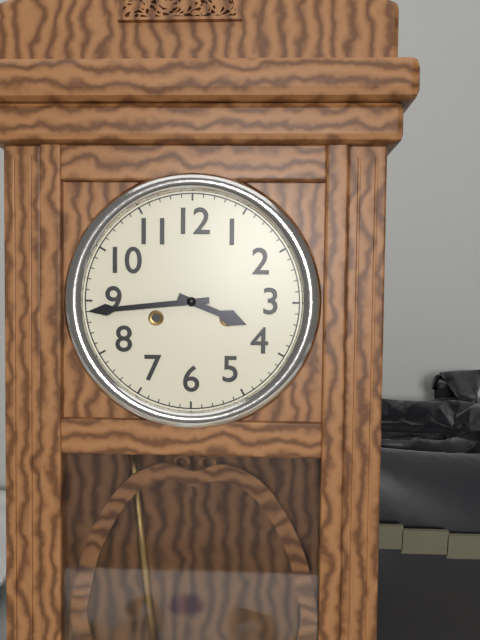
3 h 44 min
